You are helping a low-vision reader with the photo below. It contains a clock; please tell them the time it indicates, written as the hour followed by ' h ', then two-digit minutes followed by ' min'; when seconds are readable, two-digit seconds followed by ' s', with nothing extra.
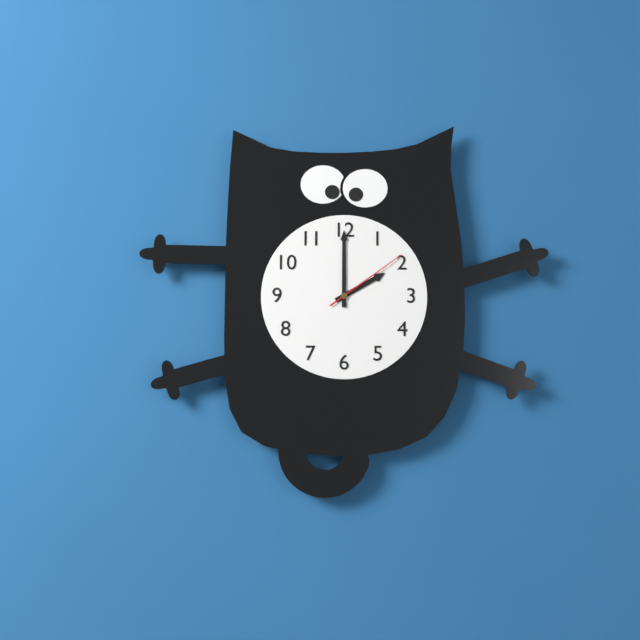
2 h 00 min 09 s
